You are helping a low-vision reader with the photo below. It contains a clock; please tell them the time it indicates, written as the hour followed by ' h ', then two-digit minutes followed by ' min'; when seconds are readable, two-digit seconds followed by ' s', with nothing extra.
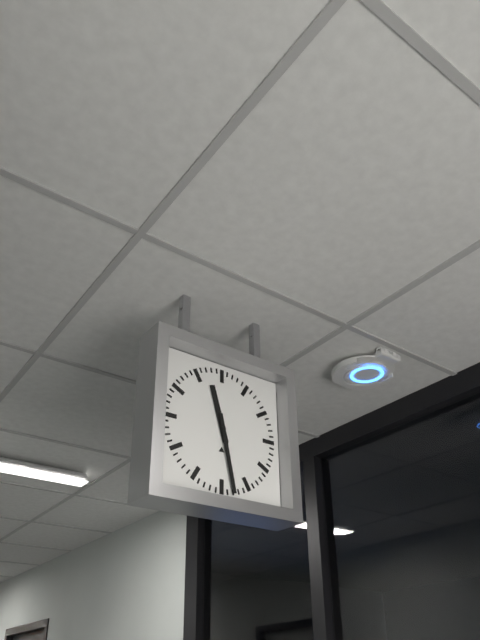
11 h 28 min
